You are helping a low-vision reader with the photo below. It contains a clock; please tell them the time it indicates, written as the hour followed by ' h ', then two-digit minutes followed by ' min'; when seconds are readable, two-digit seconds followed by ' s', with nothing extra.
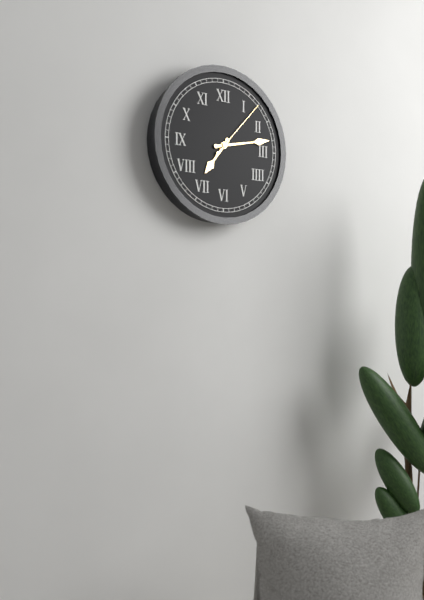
7 h 13 min 07 s
